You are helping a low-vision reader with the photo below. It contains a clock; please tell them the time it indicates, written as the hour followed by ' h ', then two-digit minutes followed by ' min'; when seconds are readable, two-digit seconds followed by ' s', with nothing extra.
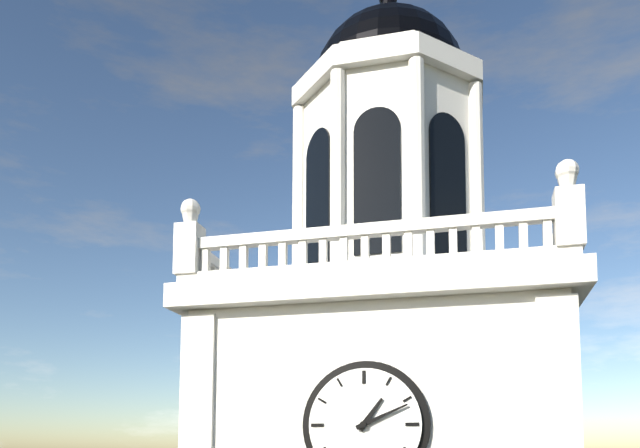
1 h 11 min
